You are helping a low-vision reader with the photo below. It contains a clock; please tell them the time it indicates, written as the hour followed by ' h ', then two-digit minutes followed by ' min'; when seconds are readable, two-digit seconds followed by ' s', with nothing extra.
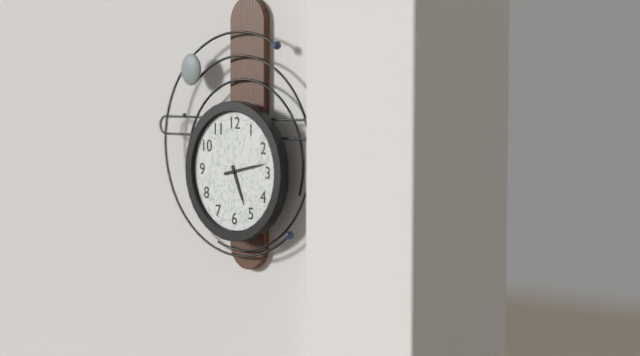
5 h 13 min
